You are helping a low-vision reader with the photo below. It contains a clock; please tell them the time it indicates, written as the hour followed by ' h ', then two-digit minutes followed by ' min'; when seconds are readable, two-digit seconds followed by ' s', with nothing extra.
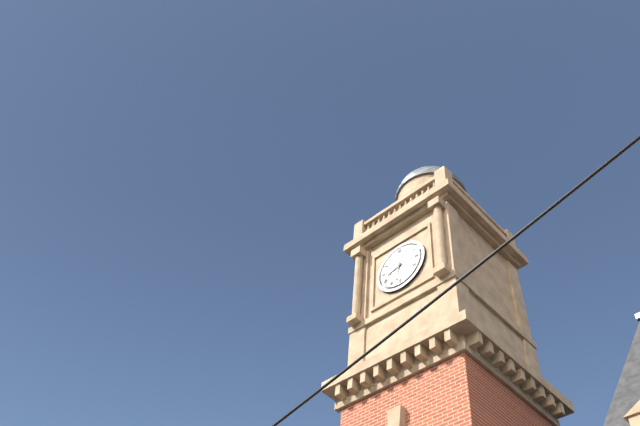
8 h 32 min
